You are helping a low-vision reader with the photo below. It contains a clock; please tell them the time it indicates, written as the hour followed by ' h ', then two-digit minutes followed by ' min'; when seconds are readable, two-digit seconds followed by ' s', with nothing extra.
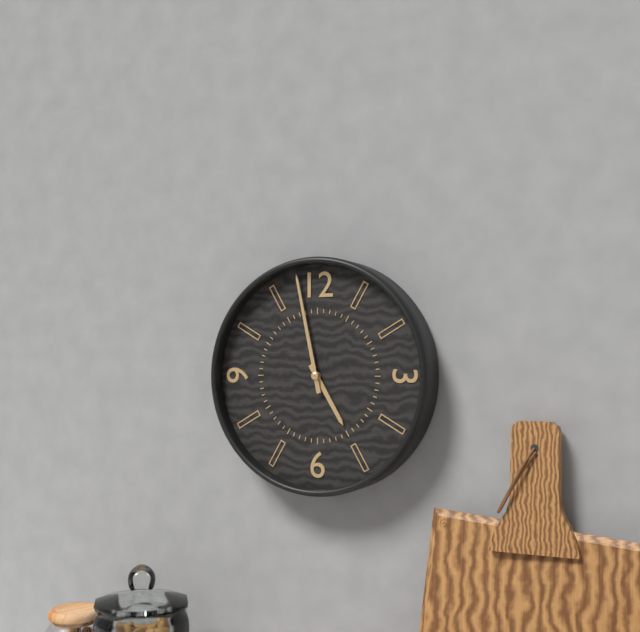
4 h 58 min
